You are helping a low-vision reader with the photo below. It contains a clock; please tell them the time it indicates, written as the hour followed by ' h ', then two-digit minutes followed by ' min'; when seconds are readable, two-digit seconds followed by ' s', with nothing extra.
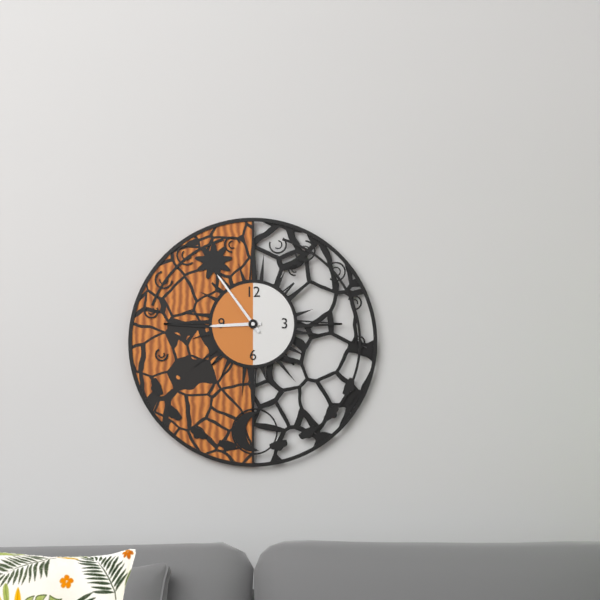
8 h 54 min
